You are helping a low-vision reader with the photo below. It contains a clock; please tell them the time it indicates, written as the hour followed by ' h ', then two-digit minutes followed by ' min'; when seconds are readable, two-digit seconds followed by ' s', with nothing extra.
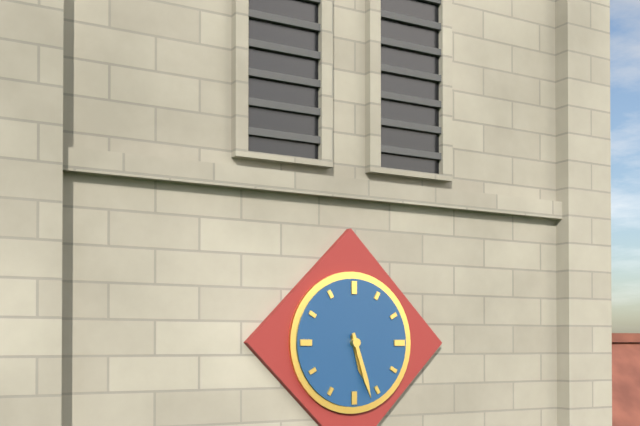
5 h 27 min
